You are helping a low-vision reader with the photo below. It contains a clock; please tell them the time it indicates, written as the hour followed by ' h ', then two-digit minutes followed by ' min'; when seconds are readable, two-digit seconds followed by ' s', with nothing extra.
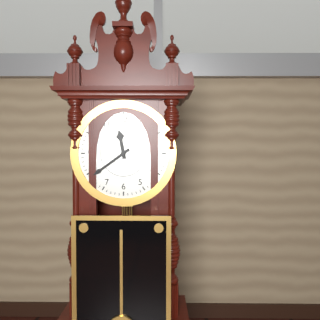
11 h 39 min
